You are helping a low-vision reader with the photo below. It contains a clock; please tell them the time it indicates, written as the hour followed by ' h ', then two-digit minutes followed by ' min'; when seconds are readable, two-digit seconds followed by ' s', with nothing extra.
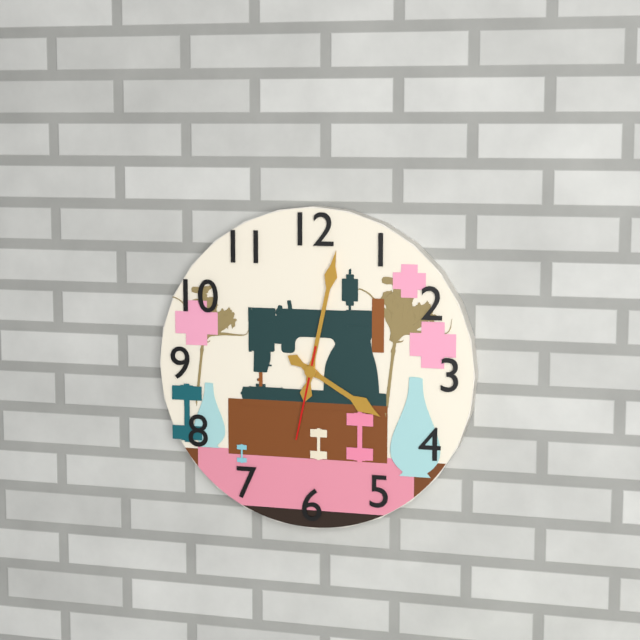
4 h 02 min 32 s
